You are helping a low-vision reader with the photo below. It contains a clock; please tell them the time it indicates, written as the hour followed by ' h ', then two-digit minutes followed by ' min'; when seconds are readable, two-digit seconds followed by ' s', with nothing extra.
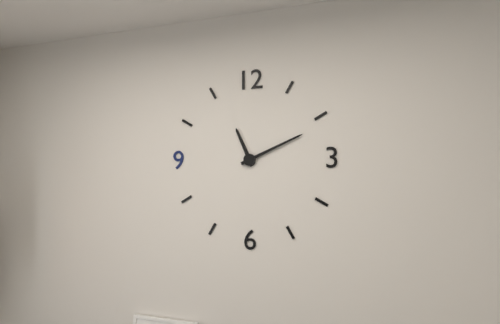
11 h 11 min
